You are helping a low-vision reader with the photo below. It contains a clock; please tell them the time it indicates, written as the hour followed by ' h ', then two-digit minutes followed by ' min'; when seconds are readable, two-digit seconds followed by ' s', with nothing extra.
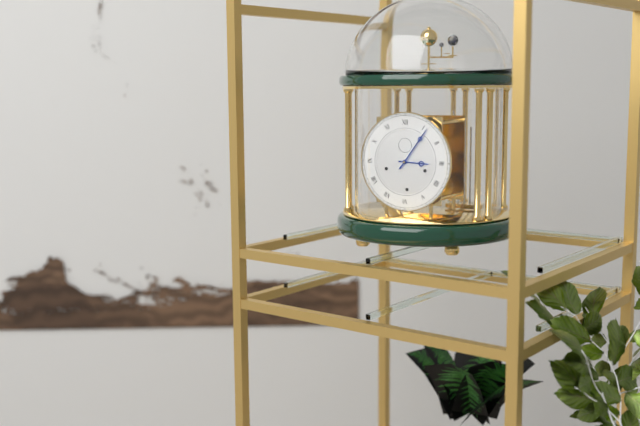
3 h 06 min
